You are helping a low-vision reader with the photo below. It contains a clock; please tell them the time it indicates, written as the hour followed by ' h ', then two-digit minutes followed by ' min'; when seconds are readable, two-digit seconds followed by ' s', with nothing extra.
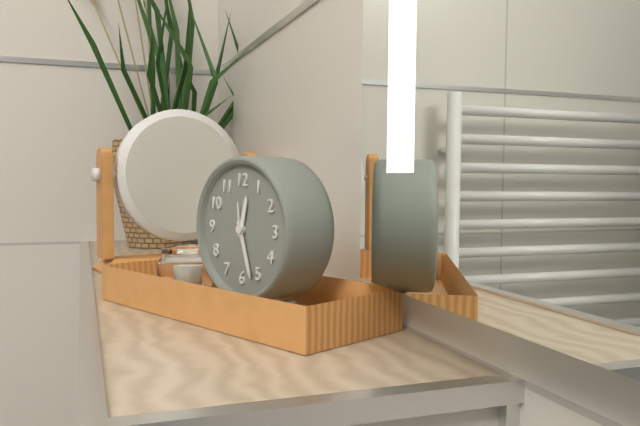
12 h 27 min
